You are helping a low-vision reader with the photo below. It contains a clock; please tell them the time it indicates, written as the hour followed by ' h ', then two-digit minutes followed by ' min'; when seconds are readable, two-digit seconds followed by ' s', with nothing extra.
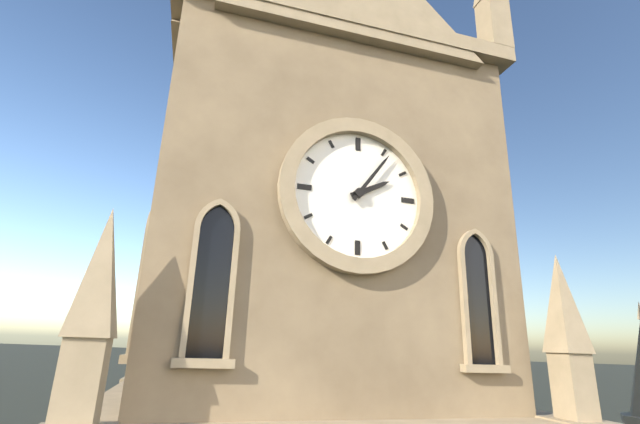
2 h 06 min
